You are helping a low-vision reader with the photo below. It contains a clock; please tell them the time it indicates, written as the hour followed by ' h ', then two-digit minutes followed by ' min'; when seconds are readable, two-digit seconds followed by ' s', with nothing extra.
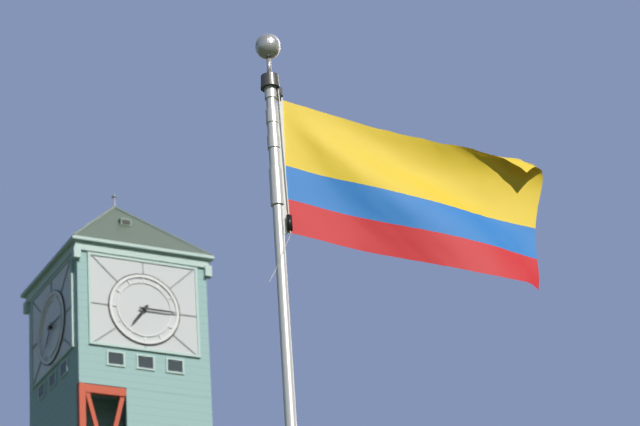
7 h 15 min
